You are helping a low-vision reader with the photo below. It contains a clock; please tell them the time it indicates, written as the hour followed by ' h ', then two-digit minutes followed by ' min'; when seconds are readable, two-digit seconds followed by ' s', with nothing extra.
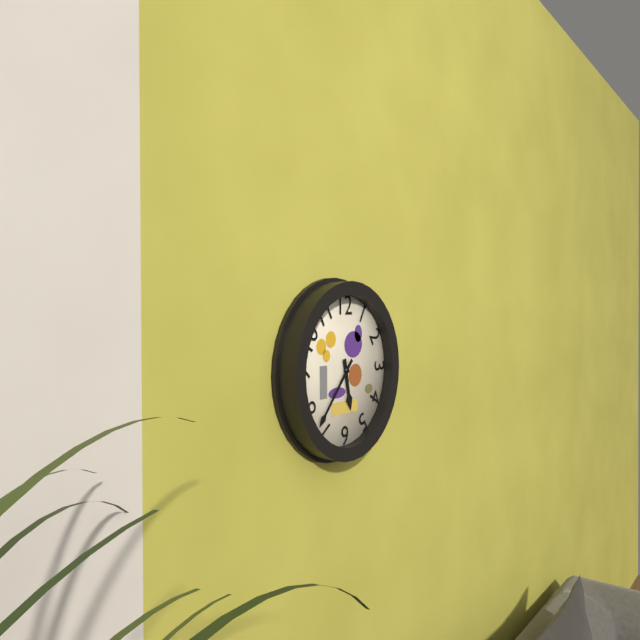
5 h 37 min
